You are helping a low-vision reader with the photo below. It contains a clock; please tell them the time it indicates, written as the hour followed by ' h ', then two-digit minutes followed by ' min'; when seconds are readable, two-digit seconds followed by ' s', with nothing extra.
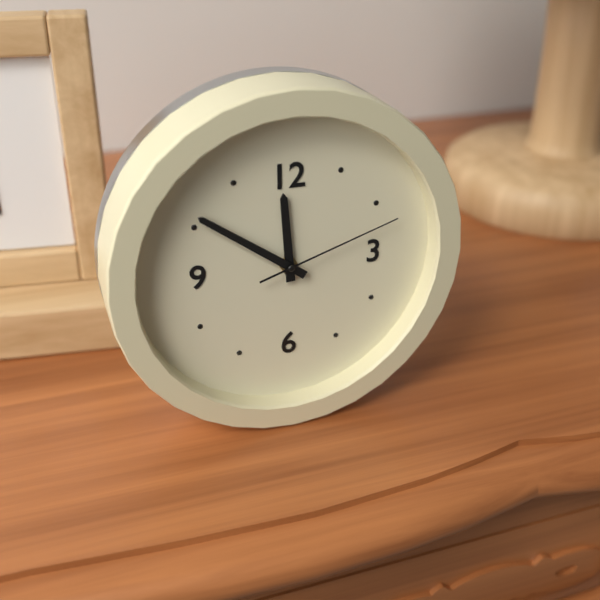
11 h 51 min 12 s
